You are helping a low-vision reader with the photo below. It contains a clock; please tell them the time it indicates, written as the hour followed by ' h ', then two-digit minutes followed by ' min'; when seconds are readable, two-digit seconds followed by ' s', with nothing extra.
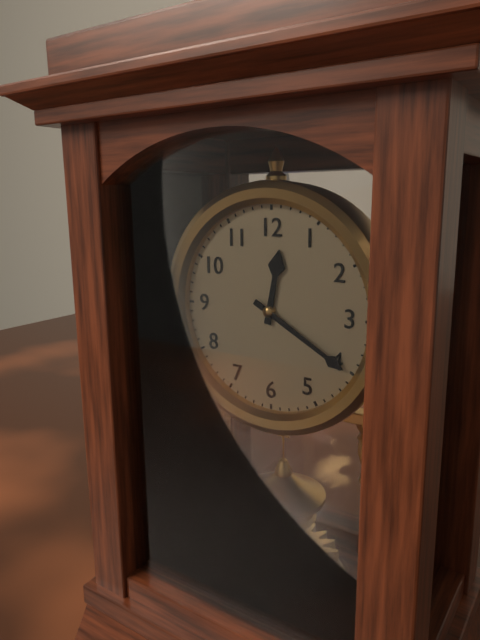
12 h 20 min
